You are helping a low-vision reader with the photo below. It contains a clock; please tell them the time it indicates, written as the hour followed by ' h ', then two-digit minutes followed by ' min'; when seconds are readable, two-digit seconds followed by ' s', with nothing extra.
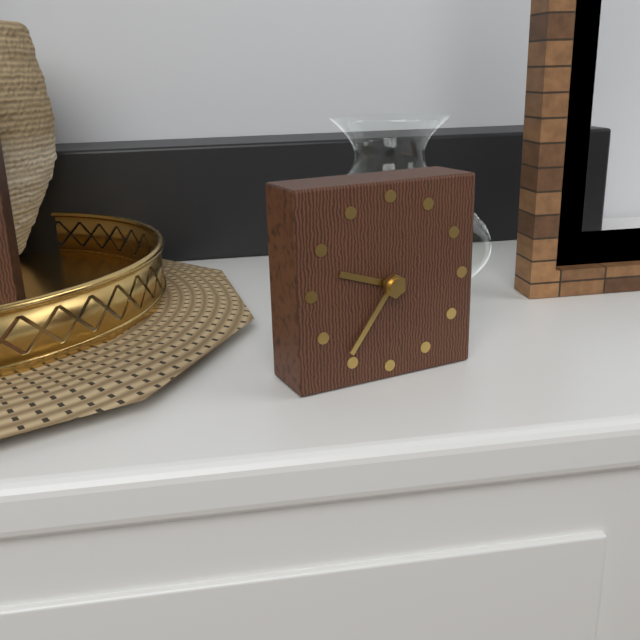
9 h 36 min
